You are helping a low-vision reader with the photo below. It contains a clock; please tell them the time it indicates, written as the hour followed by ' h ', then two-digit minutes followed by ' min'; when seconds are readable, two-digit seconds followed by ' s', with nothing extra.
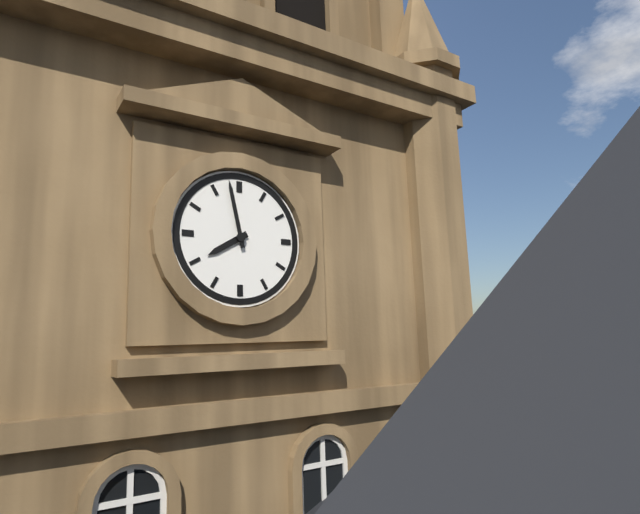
7 h 58 min
